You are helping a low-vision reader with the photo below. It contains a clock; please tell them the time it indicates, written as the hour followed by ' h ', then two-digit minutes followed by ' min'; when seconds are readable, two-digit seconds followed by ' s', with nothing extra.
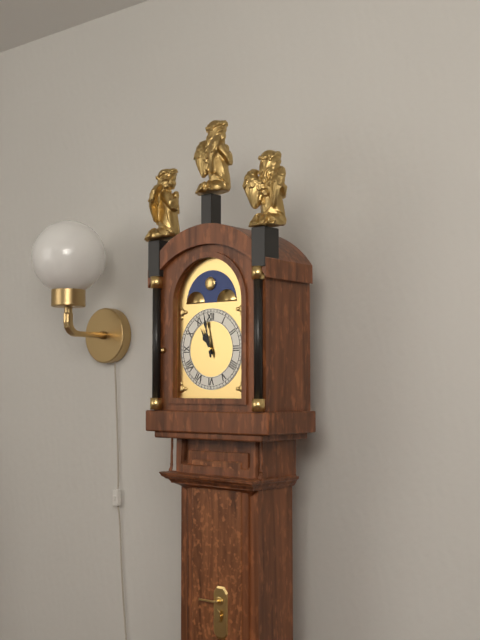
10 h 58 min
